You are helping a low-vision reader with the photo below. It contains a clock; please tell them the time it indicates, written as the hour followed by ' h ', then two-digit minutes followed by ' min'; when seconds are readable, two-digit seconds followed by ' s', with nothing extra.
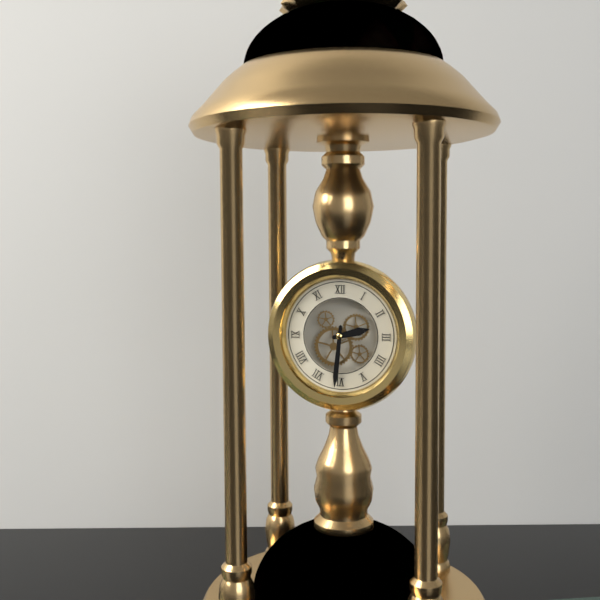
2 h 31 min
